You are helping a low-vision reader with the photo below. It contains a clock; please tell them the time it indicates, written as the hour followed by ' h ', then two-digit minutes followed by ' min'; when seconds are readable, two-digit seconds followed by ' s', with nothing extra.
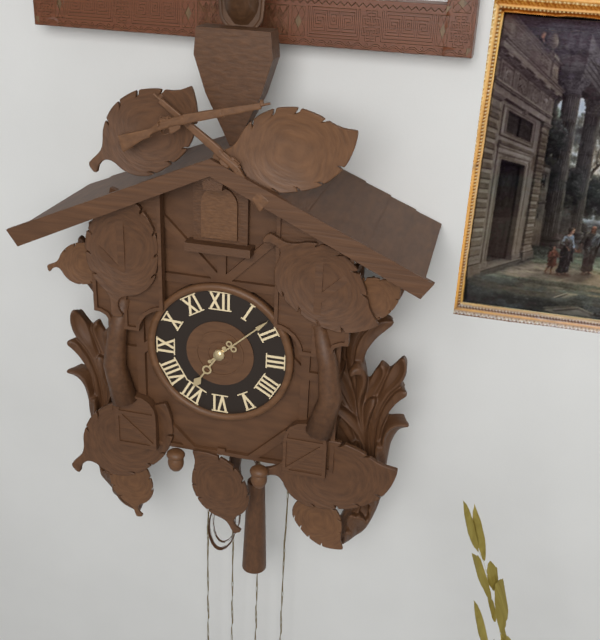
7 h 08 min
